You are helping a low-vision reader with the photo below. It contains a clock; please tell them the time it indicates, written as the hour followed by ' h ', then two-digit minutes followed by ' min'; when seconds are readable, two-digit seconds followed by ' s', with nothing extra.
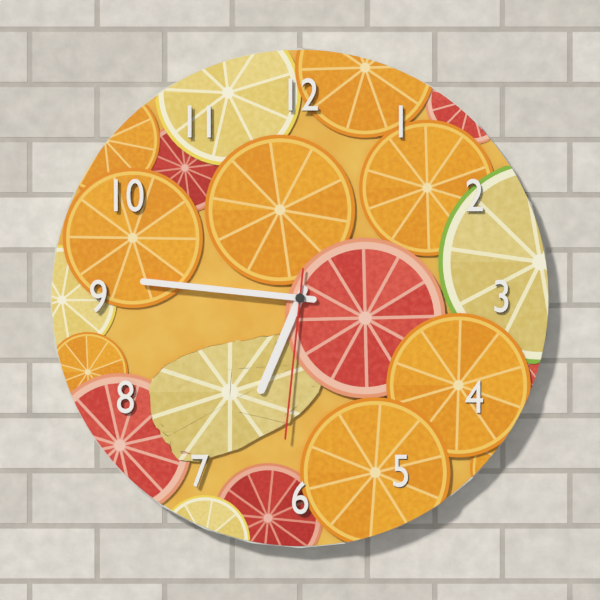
6 h 46 min 31 s
